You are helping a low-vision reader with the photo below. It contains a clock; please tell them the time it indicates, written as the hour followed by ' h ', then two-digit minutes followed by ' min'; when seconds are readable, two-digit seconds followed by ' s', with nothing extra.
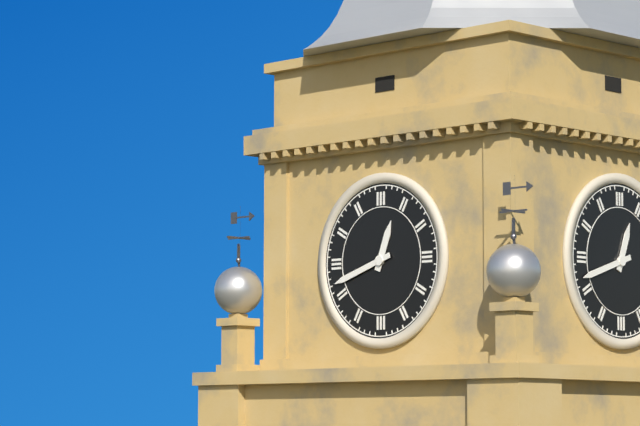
12 h 42 min
